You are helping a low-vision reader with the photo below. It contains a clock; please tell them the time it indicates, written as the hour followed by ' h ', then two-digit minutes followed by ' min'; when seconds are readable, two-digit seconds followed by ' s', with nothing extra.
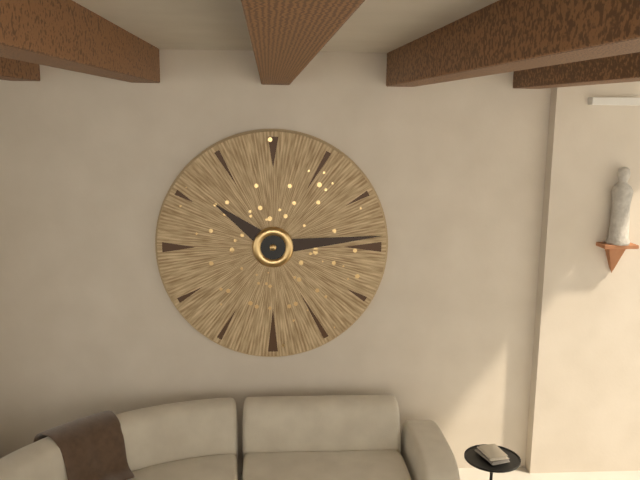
10 h 14 min
